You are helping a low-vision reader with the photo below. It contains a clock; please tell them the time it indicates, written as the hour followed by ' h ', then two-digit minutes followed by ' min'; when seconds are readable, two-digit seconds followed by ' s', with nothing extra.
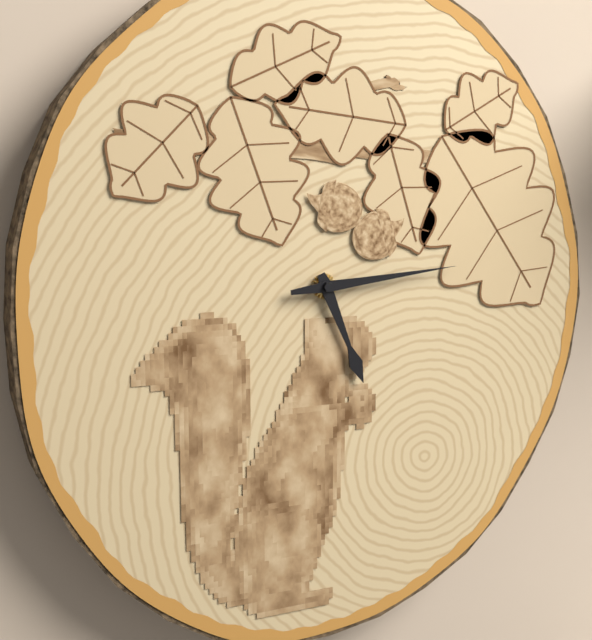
5 h 14 min
